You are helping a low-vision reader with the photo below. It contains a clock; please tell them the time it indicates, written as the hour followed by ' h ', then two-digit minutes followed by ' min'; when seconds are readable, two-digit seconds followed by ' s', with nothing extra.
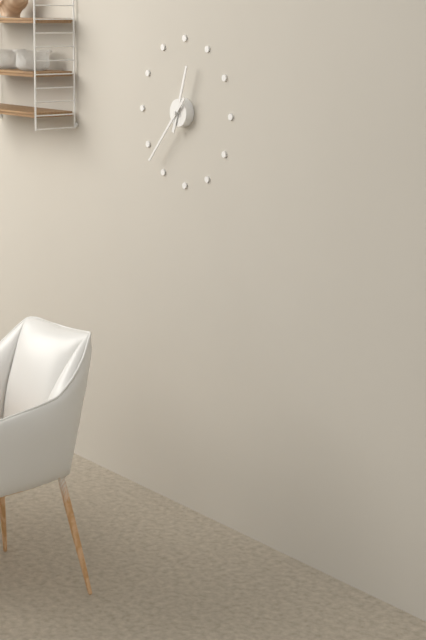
12 h 37 min
